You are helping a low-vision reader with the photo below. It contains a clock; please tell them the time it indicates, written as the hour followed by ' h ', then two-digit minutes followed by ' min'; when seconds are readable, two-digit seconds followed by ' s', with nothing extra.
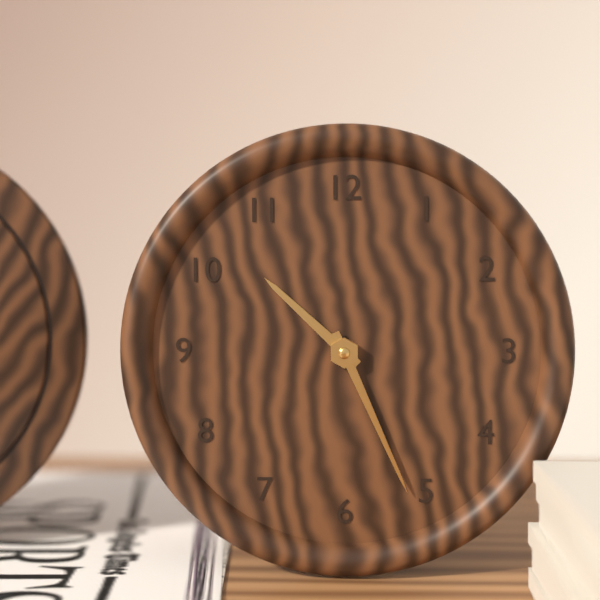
10 h 26 min
